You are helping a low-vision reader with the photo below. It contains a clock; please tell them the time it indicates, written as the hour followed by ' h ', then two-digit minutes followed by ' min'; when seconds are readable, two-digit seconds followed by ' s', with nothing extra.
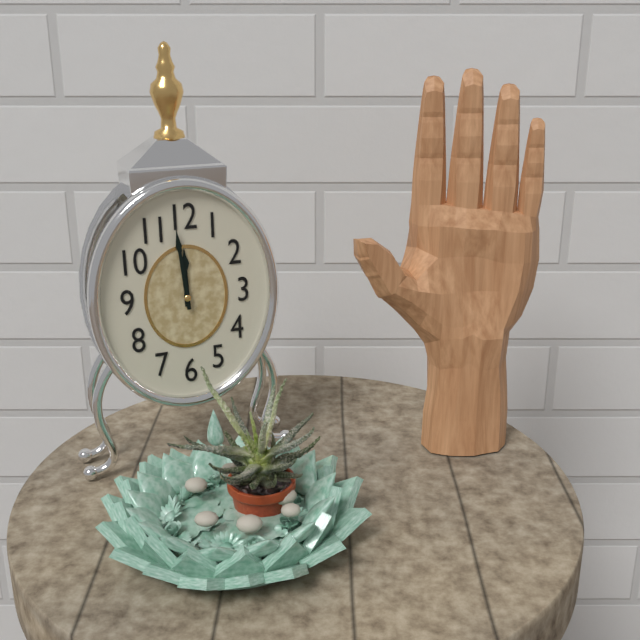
11 h 59 min
